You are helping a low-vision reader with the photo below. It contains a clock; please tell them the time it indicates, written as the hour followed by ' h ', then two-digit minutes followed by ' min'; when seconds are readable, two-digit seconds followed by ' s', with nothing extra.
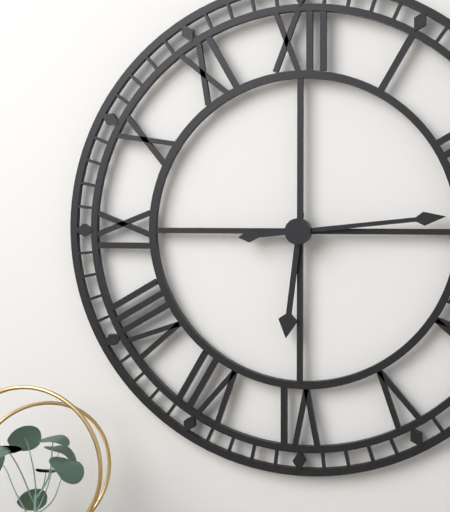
6 h 14 min
